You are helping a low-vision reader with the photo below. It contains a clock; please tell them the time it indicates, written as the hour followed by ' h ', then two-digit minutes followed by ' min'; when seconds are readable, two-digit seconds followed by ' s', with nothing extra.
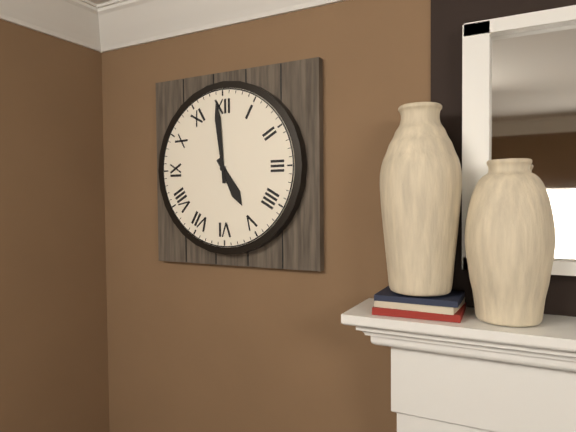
4 h 59 min
